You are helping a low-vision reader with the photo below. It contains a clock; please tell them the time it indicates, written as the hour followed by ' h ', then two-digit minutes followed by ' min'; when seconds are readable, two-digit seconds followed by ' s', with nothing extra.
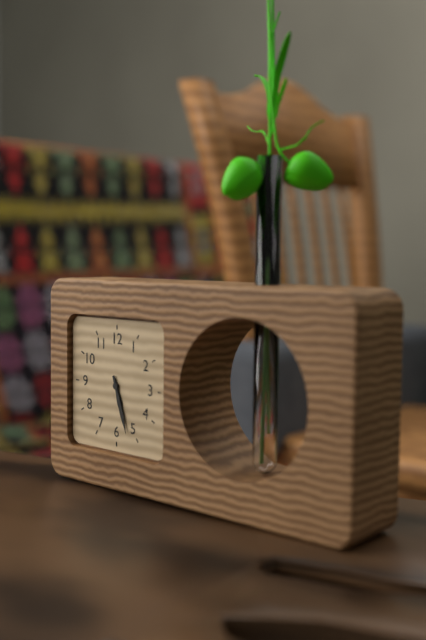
5 h 27 min
